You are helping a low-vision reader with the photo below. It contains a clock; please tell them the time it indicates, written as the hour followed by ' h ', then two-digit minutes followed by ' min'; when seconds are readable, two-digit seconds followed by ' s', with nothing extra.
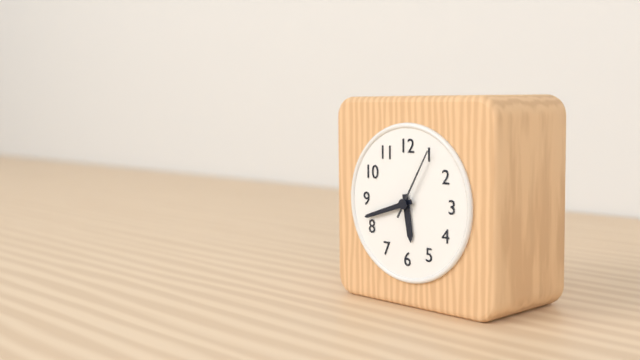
5 h 42 min 05 s
